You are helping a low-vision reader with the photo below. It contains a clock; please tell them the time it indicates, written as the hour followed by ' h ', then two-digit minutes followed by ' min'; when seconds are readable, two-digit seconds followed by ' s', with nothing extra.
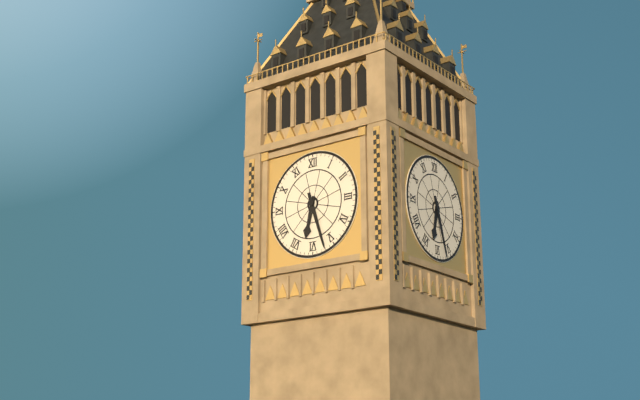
6 h 27 min
